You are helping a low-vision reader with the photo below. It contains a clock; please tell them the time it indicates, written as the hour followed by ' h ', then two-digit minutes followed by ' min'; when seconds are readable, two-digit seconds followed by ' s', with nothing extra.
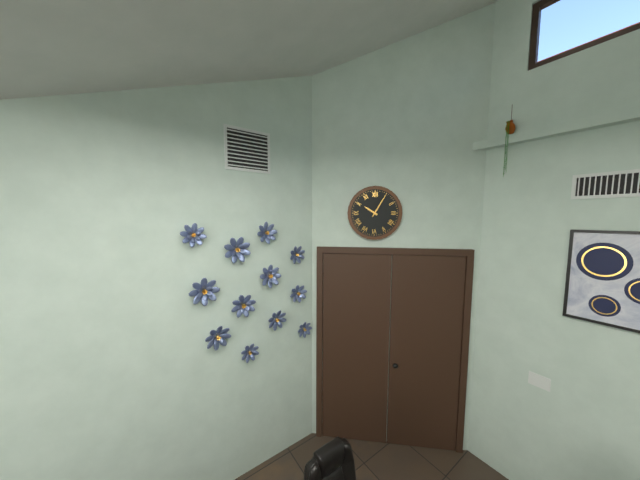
10 h 05 min
